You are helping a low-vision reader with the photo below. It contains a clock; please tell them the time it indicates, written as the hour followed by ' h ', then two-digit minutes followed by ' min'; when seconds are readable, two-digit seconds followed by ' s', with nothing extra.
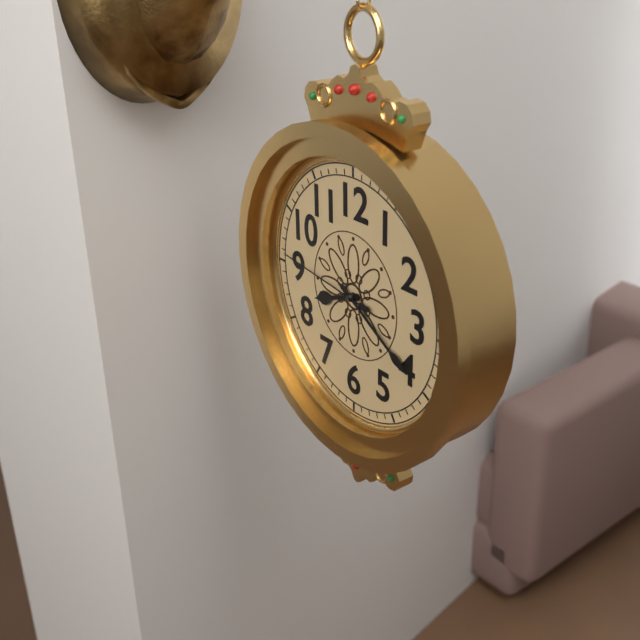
8 h 20 min 46 s
